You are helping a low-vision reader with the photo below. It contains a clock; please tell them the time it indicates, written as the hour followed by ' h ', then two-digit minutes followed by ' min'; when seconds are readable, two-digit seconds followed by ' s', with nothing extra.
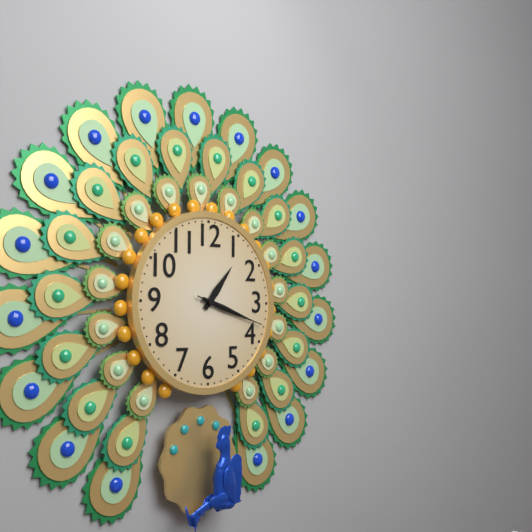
1 h 18 min 18 s
